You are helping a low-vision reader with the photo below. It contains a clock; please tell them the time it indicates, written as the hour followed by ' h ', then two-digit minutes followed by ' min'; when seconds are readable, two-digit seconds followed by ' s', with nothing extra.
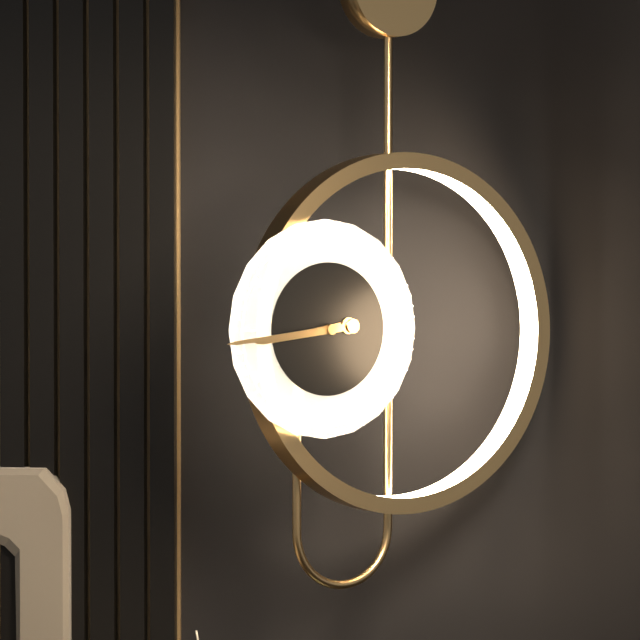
8 h 44 min
